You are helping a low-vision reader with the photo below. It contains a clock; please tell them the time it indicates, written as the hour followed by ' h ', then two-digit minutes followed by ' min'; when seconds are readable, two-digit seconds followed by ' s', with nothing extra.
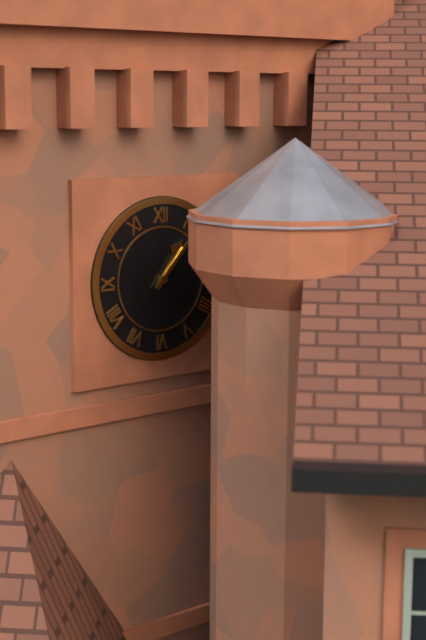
1 h 07 min
